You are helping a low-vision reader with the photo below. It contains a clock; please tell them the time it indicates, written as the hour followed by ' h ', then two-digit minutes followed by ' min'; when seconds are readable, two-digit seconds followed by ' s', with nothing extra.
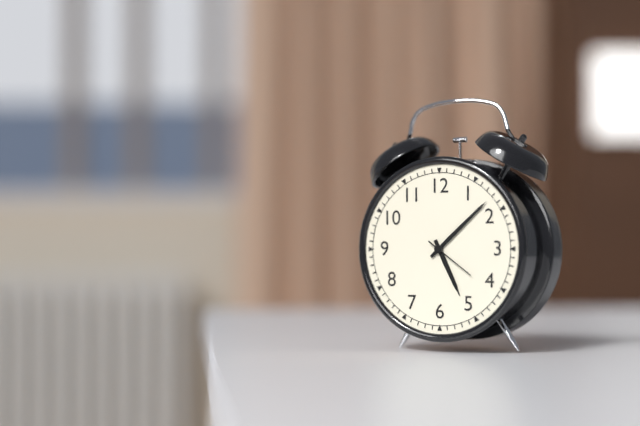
5 h 08 min 21 s
